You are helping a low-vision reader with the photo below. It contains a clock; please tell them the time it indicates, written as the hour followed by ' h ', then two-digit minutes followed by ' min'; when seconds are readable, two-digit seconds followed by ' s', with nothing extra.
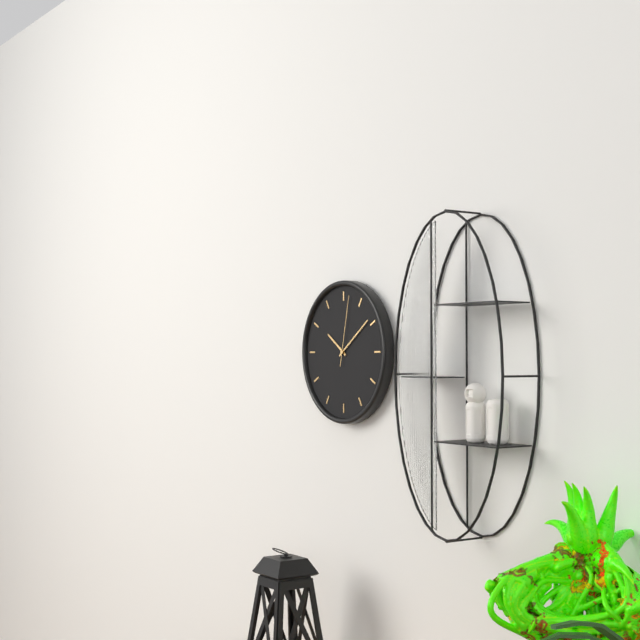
10 h 09 min 02 s
